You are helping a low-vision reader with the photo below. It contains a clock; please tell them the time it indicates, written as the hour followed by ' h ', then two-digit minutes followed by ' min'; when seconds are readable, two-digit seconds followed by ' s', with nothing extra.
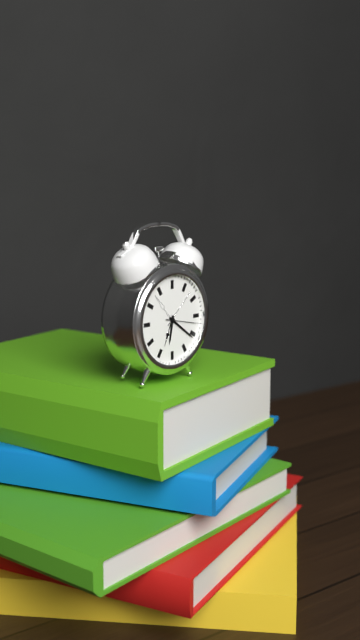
6 h 21 min
